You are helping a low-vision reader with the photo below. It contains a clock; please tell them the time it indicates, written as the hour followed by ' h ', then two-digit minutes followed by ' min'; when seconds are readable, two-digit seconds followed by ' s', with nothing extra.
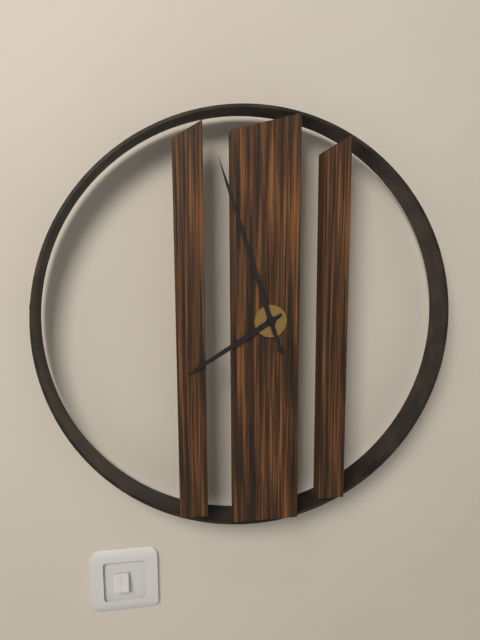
7 h 57 min
